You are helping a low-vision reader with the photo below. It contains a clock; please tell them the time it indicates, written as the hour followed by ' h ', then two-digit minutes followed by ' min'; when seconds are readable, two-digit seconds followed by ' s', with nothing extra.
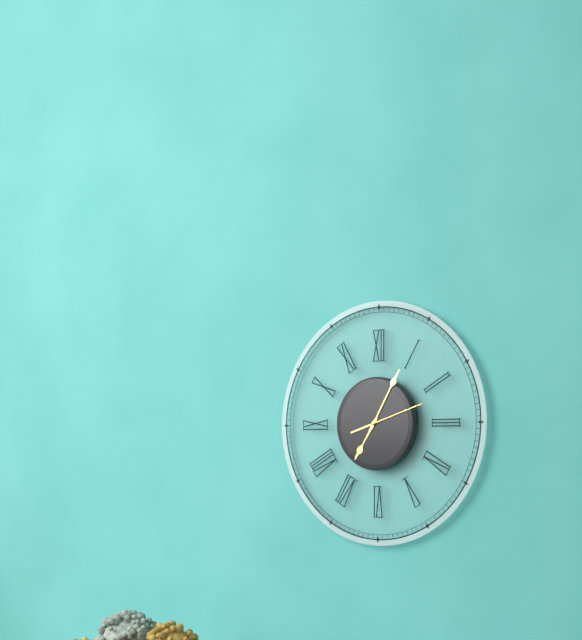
7 h 05 min 12 s
